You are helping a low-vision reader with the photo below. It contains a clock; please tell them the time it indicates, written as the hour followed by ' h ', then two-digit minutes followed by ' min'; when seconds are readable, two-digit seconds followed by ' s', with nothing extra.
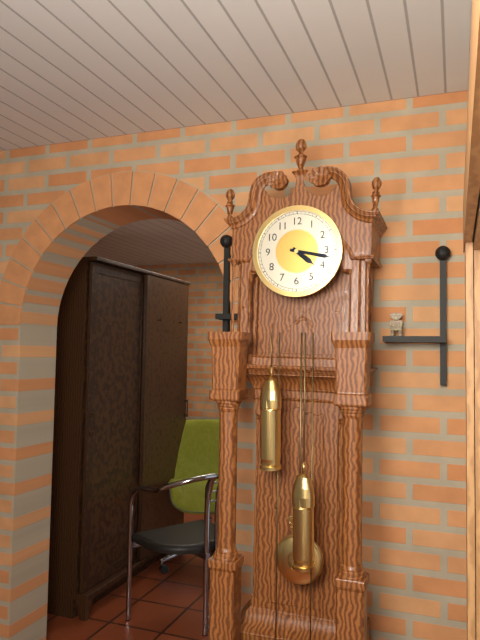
4 h 17 min
